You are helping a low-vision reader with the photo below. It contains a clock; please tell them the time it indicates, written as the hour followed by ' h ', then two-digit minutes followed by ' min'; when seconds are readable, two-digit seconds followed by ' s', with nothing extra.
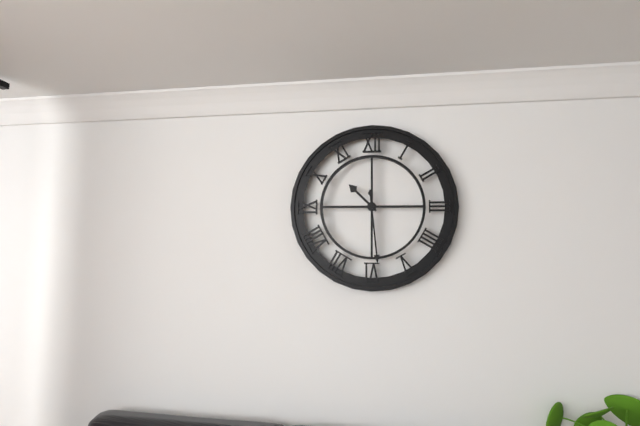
10 h 29 min
